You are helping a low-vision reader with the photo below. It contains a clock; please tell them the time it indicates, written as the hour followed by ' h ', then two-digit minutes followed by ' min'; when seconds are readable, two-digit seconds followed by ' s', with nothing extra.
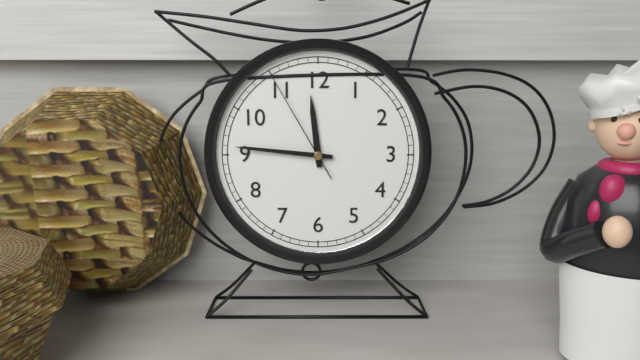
11 h 46 min 55 s
